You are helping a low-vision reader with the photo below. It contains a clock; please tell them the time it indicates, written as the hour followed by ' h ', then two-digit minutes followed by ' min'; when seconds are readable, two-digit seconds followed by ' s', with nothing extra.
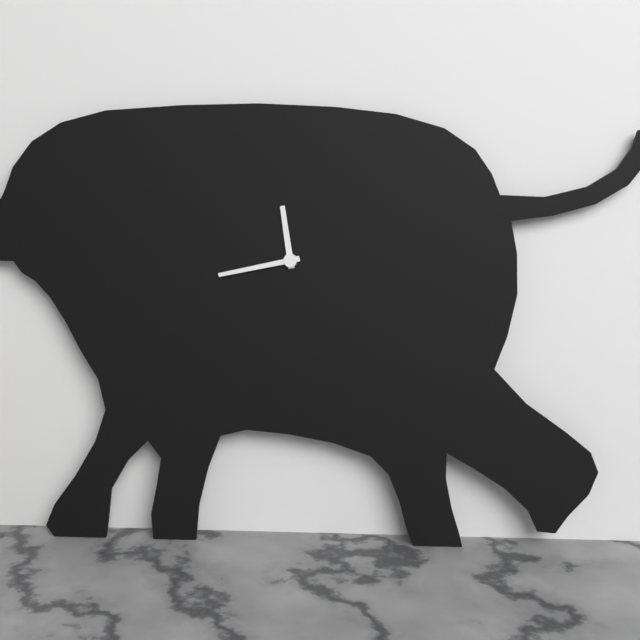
11 h 43 min
